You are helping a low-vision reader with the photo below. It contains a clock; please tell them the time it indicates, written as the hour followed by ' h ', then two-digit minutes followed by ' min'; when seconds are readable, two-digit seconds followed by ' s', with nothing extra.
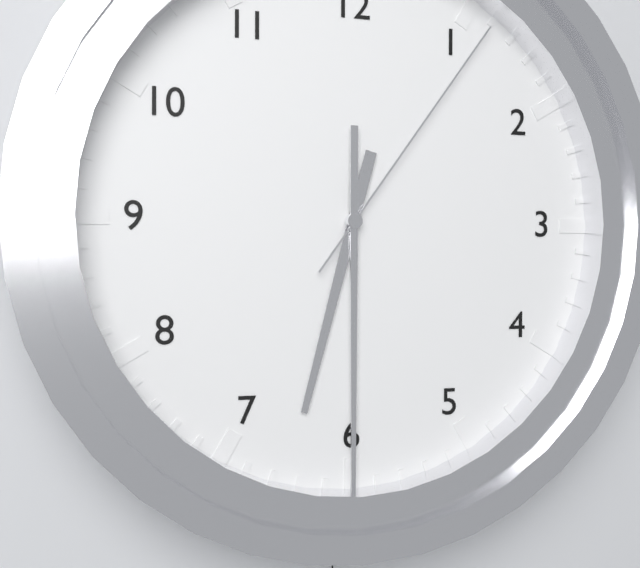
6 h 30 min 06 s
